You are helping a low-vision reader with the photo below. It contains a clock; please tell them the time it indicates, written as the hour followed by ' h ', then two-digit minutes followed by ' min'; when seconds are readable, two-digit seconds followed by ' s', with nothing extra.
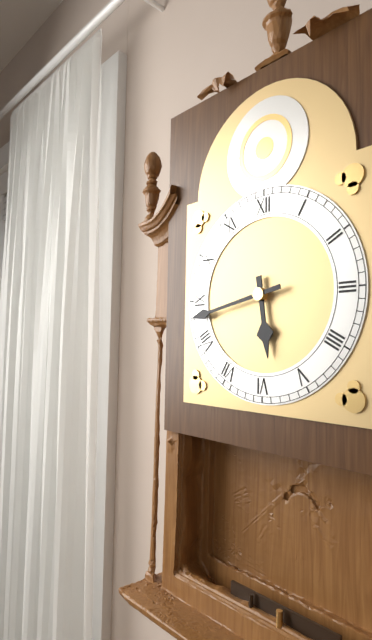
5 h 43 min
